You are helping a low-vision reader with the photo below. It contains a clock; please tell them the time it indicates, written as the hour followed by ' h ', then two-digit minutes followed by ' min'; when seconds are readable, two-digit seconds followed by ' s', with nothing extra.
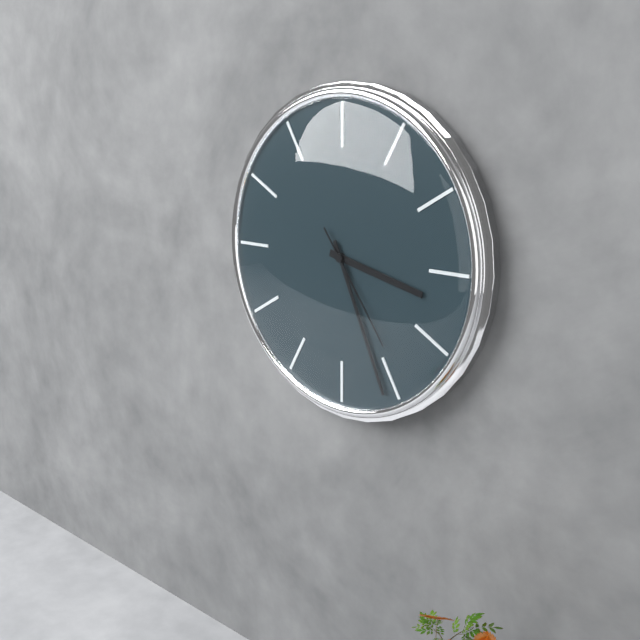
3 h 26 min 24 s
